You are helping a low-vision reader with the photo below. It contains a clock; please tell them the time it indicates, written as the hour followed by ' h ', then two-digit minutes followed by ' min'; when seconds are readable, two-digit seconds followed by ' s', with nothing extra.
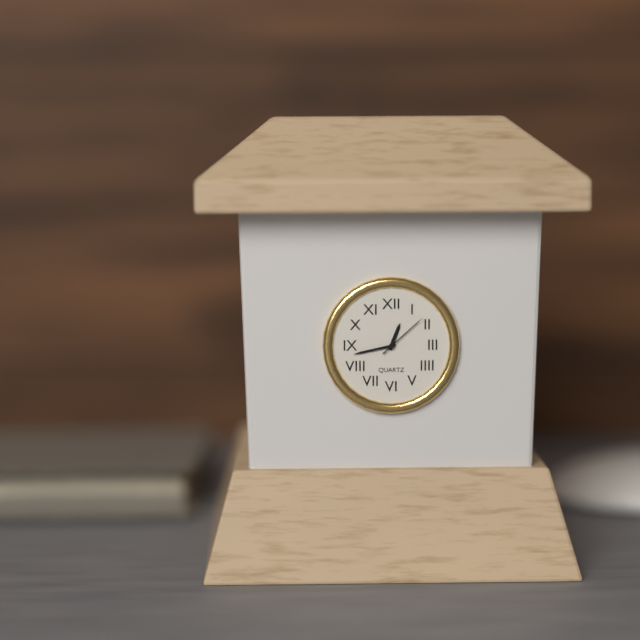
12 h 43 min 08 s
